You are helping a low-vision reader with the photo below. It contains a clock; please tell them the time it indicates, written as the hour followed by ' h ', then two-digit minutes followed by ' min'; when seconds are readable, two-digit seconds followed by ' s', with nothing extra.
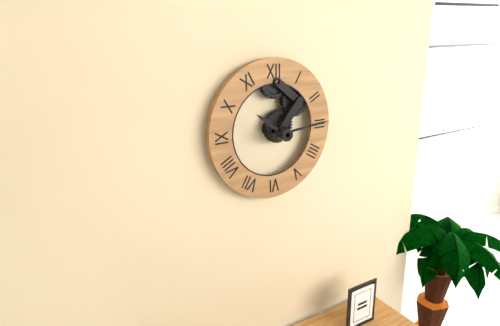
10 h 14 min
